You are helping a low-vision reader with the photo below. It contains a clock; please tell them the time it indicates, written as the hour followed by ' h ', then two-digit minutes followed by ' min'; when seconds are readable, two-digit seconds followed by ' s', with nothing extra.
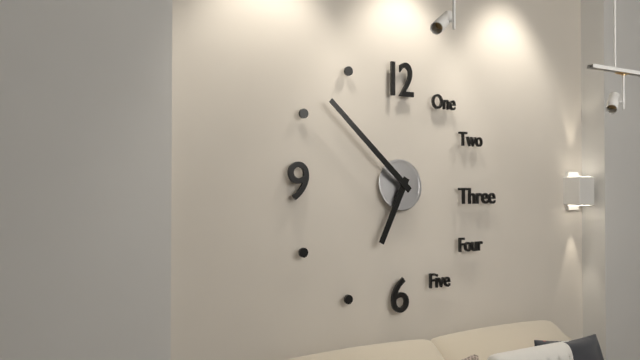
6 h 52 min
